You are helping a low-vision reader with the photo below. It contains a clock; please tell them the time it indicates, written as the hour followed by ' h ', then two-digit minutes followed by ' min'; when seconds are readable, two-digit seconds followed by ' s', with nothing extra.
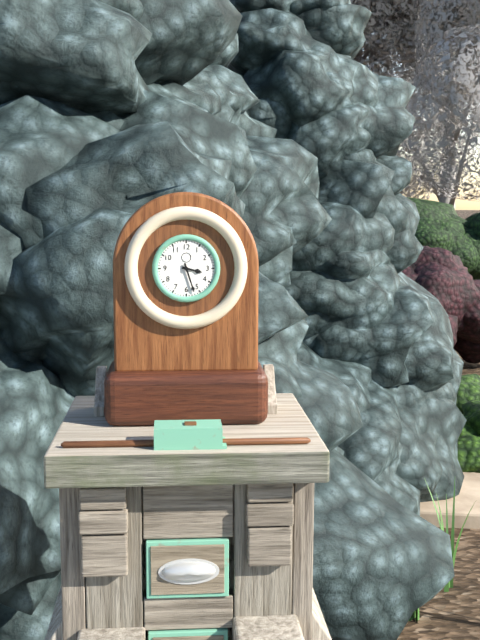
3 h 27 min
